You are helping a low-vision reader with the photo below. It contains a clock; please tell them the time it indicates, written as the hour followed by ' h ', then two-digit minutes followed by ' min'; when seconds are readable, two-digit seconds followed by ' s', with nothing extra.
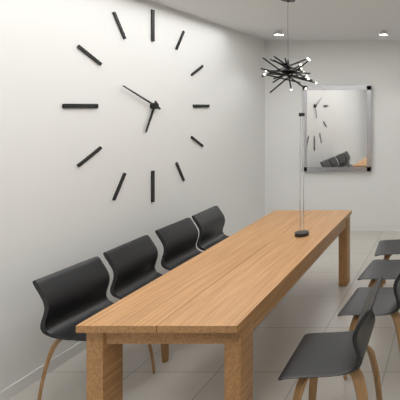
6 h 49 min
